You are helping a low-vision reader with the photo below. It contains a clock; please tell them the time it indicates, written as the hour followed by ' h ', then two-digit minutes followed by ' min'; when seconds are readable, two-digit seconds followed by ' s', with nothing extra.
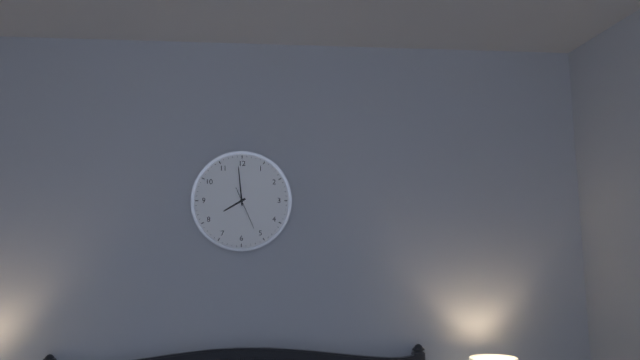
7 h 59 min
